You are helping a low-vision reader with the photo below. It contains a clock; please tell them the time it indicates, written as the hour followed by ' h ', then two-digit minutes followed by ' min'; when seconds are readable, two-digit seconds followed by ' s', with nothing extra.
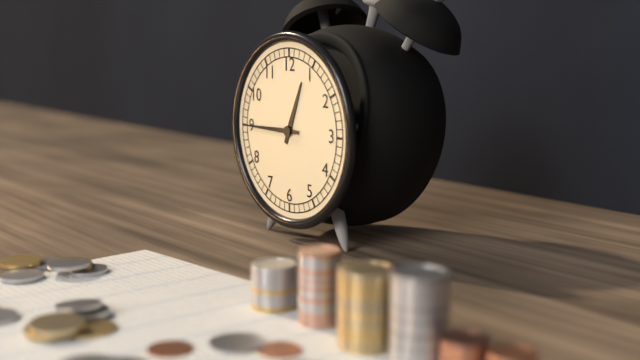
12 h 45 min
